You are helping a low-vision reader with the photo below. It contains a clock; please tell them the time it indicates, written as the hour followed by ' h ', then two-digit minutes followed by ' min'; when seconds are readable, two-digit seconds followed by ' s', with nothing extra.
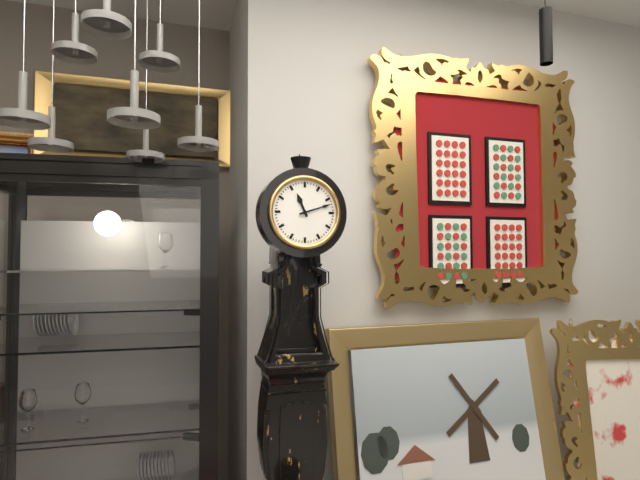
11 h 12 min
